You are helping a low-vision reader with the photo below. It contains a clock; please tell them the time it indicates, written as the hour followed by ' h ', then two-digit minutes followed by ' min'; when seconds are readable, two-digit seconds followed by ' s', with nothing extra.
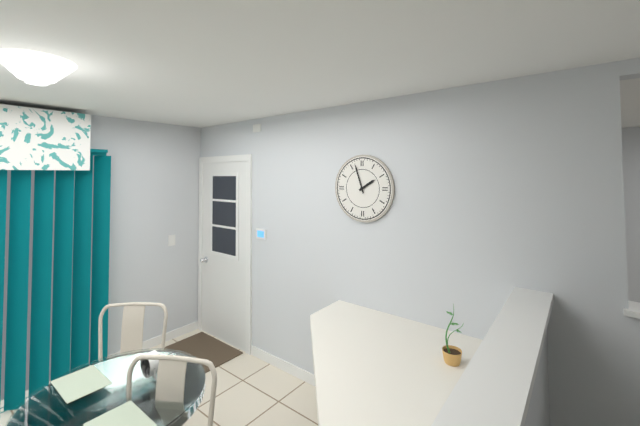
1 h 57 min
